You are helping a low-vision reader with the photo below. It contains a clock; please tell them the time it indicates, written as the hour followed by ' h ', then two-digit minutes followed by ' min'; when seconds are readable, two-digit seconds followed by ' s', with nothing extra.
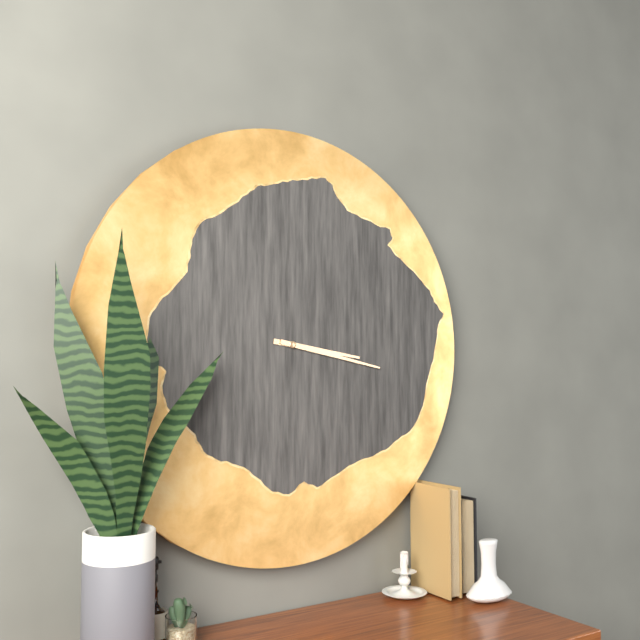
3 h 17 min
